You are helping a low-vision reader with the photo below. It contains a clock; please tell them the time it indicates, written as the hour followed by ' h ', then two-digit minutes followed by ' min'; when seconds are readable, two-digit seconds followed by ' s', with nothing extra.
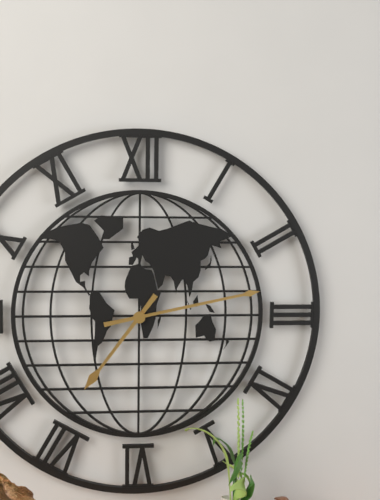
7 h 13 min
